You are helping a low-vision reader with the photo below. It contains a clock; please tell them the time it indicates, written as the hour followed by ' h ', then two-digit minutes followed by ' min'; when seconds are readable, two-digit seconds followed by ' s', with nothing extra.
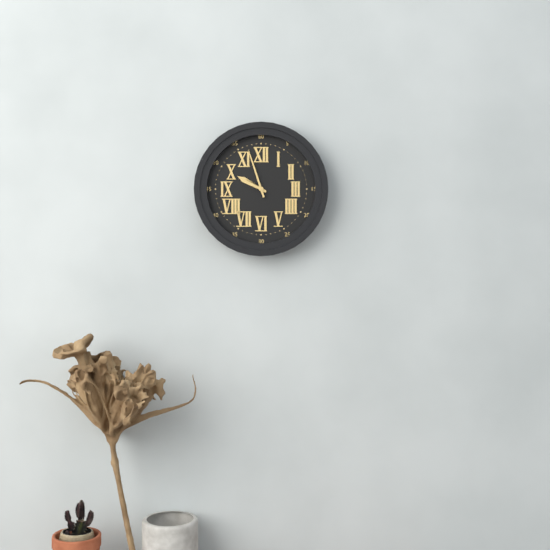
9 h 57 min
